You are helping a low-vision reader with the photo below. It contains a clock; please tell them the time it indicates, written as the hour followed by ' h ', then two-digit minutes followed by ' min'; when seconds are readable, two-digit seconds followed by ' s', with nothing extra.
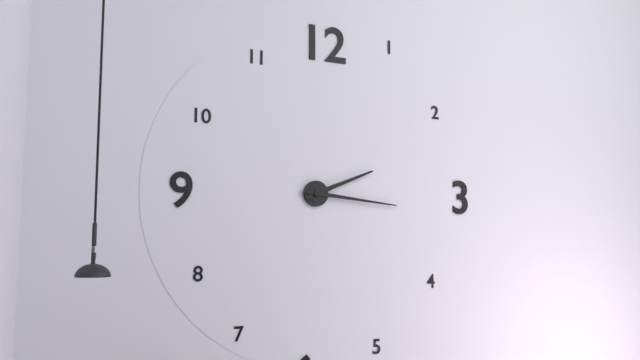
2 h 16 min
